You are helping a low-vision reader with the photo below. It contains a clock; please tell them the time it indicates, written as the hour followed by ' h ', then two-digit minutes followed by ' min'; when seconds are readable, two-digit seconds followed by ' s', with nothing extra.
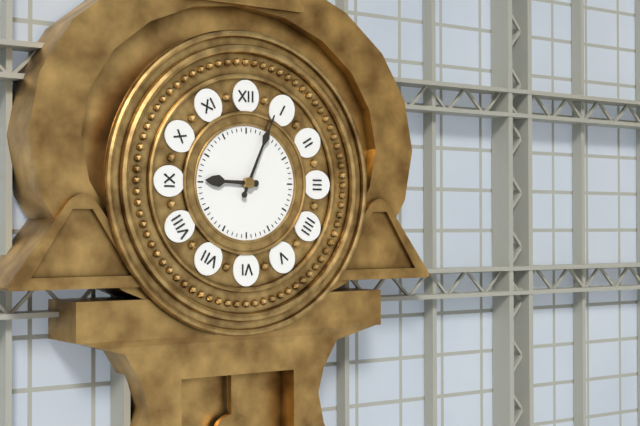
9 h 04 min
